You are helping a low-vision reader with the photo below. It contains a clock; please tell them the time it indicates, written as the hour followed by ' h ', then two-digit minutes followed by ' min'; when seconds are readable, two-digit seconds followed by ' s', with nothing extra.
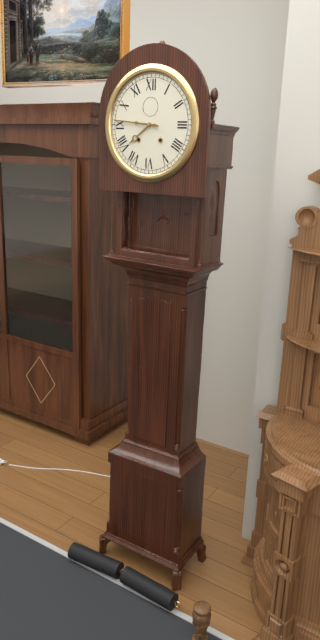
7 h 46 min
